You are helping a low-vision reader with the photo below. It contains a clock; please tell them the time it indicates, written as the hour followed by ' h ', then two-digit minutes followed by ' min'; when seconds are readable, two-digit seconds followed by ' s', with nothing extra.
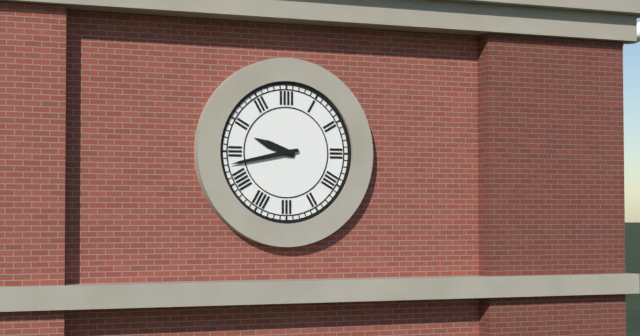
9 h 43 min
